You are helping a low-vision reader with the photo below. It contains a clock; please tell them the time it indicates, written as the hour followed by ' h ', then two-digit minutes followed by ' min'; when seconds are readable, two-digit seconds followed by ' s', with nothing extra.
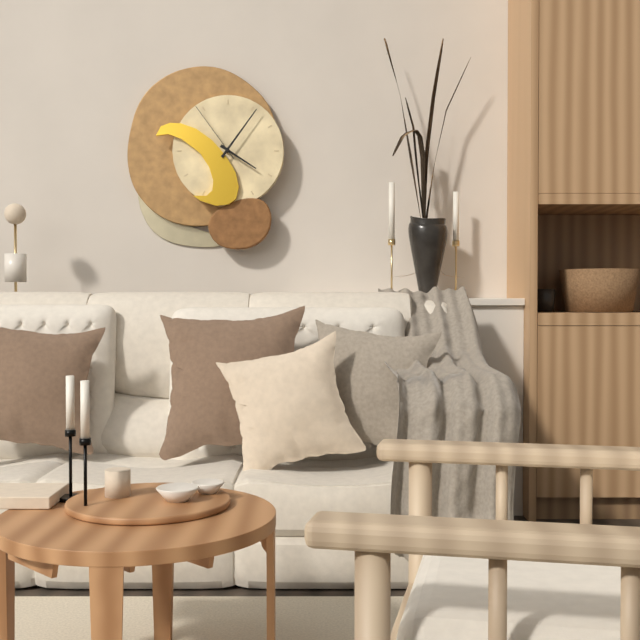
4 h 06 min 54 s
